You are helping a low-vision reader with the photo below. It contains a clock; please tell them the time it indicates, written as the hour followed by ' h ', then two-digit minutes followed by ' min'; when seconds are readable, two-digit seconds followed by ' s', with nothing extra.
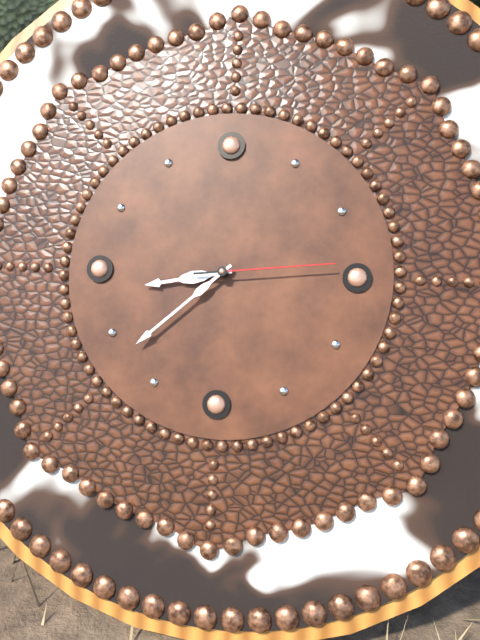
8 h 38 min 14 s
